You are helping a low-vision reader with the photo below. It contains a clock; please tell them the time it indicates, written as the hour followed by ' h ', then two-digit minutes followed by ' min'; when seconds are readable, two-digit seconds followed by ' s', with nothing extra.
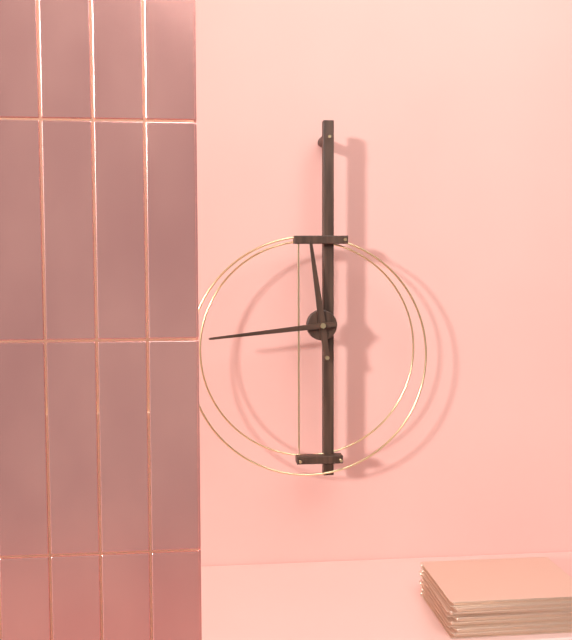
11 h 44 min
